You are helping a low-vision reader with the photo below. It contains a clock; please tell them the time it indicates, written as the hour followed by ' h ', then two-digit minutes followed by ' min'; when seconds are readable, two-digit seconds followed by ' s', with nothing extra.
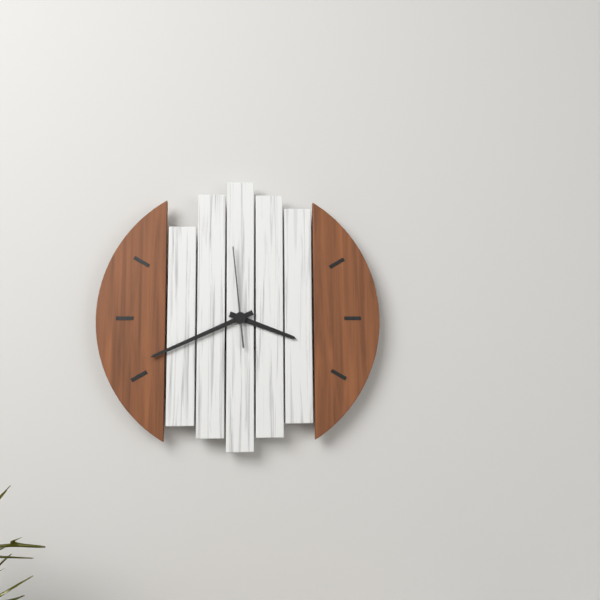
3 h 41 min 59 s
